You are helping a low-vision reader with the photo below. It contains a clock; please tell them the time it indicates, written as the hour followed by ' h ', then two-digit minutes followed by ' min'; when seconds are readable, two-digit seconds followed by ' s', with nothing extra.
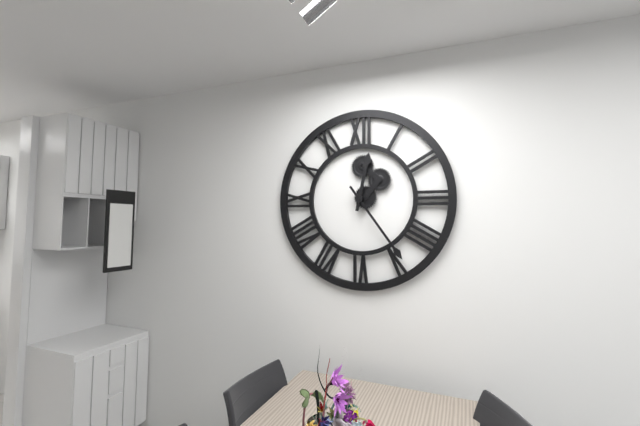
12 h 24 min
